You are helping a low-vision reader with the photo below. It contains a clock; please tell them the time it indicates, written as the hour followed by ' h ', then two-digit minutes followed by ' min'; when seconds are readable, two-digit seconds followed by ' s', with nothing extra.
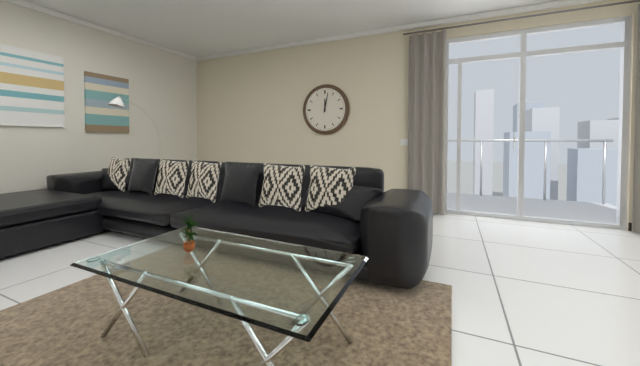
12 h 02 min
